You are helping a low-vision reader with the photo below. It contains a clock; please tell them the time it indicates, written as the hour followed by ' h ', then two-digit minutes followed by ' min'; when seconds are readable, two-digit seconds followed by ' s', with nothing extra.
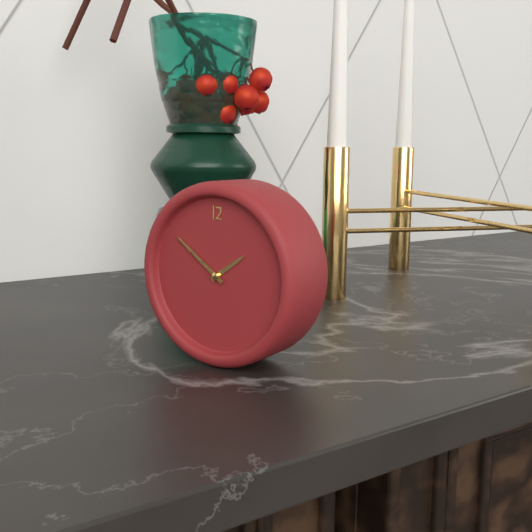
1 h 51 min
